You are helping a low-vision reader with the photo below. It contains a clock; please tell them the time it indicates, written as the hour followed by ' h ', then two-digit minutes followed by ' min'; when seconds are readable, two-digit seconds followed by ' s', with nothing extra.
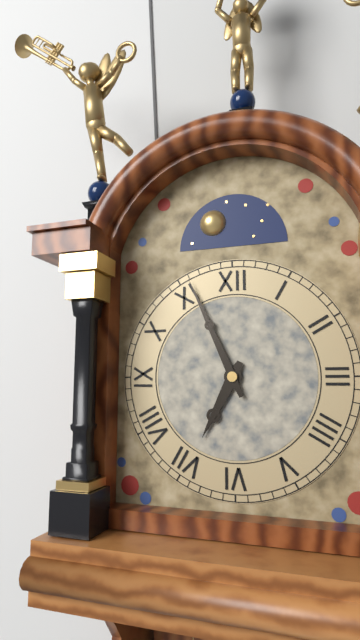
6 h 56 min
